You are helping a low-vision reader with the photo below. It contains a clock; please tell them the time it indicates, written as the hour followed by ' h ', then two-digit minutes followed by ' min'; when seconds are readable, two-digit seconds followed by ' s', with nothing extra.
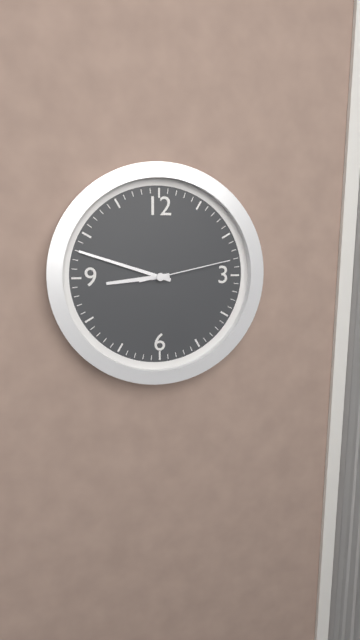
8 h 48 min 13 s
